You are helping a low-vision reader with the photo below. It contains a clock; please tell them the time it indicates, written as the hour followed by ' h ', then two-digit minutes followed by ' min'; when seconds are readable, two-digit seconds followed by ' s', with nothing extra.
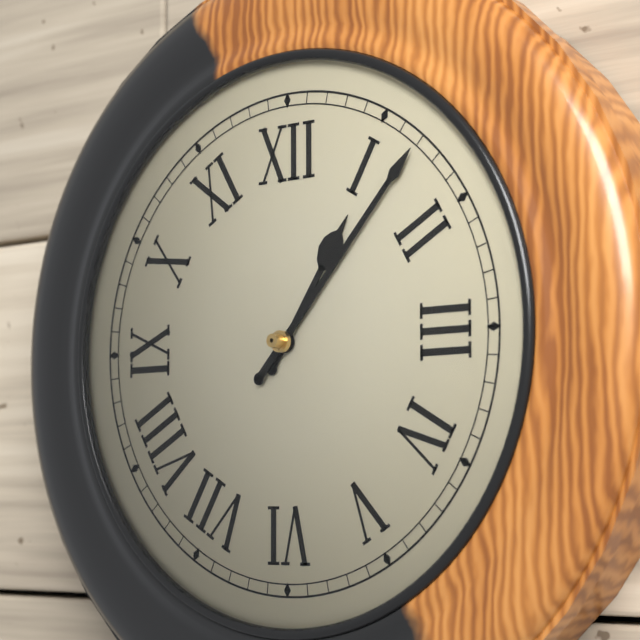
1 h 07 min
